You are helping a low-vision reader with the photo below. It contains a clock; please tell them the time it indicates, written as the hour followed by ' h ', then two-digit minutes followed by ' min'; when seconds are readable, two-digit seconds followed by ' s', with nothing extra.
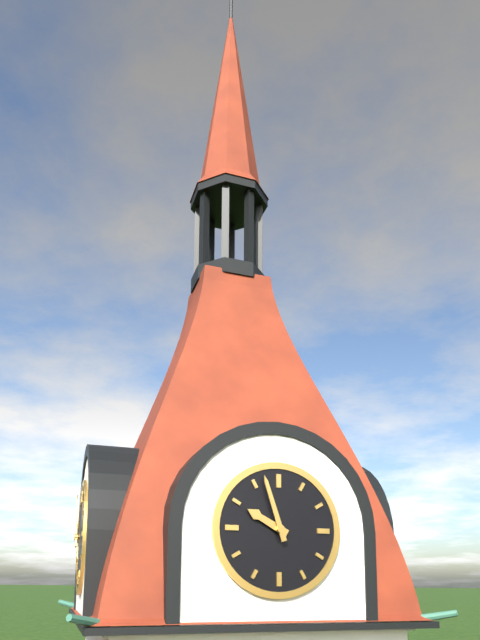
9 h 57 min
